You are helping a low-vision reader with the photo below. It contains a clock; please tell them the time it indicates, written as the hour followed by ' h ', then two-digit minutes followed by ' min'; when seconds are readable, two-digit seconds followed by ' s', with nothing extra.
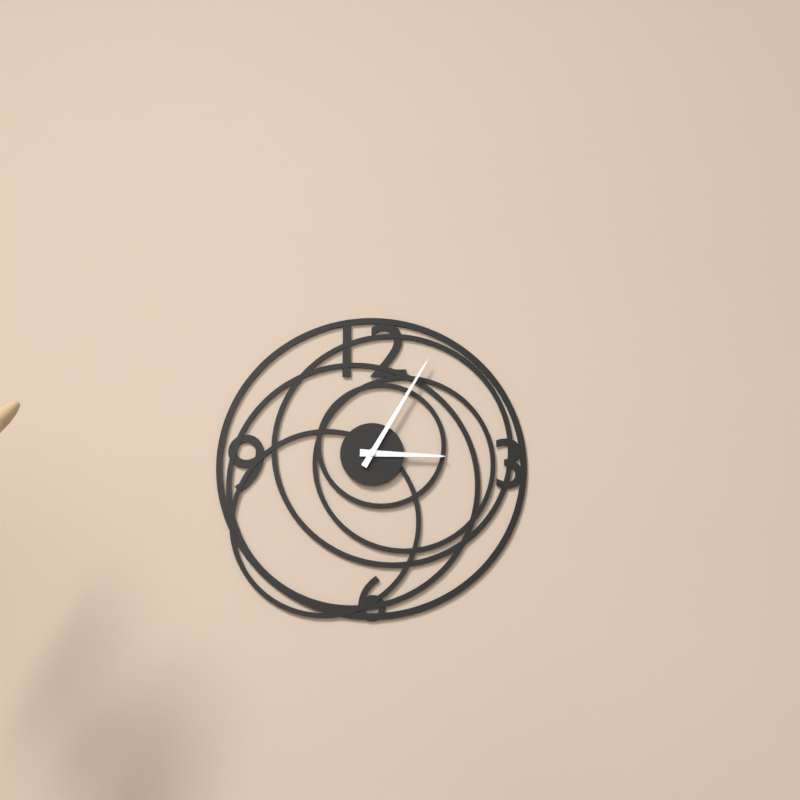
3 h 05 min
